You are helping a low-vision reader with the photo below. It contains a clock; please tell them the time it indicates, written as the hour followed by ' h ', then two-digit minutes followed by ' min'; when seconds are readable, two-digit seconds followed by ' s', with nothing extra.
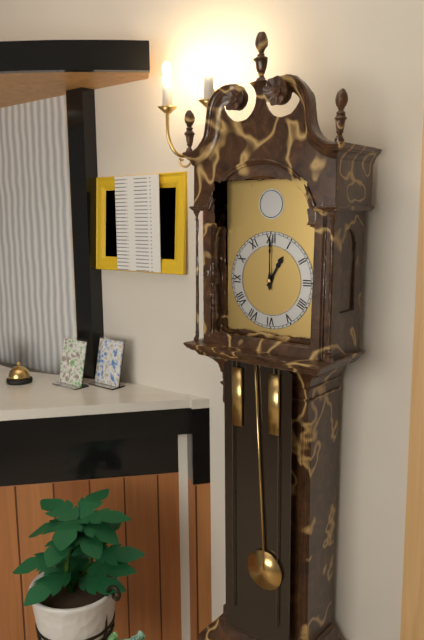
1 h 00 min
